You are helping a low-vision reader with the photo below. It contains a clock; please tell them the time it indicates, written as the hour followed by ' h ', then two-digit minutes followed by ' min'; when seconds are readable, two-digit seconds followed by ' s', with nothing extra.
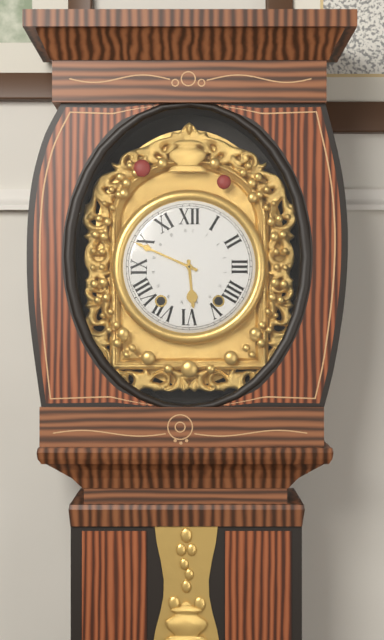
5 h 49 min
